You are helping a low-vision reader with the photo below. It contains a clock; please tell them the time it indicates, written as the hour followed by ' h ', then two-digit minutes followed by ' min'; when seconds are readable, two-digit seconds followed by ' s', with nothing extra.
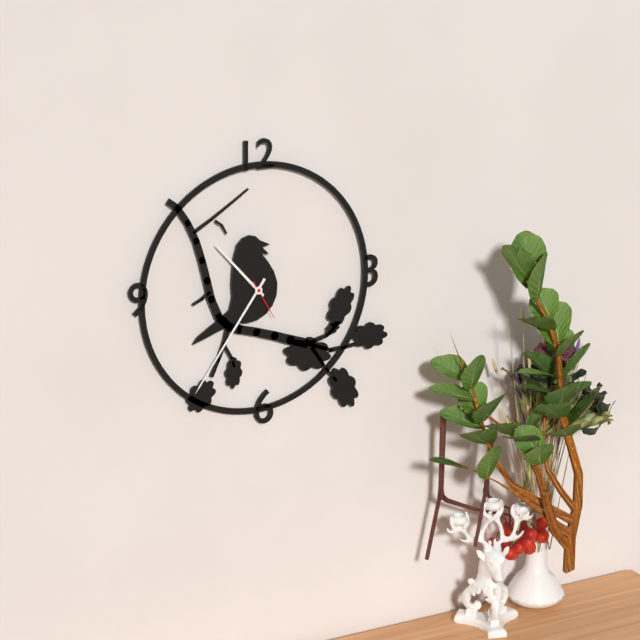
10 h 36 min
